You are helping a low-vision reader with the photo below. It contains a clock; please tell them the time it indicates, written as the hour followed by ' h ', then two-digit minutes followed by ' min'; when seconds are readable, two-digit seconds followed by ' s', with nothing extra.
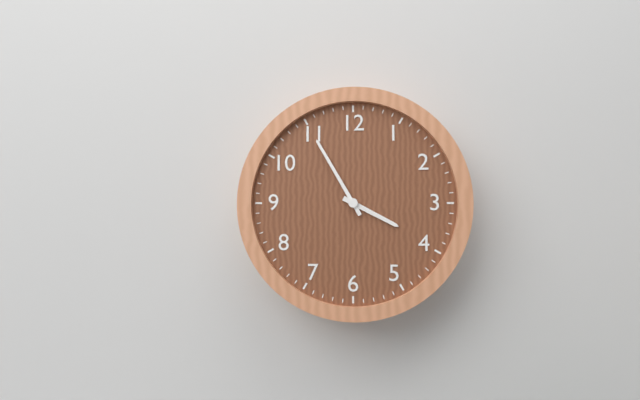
3 h 55 min
